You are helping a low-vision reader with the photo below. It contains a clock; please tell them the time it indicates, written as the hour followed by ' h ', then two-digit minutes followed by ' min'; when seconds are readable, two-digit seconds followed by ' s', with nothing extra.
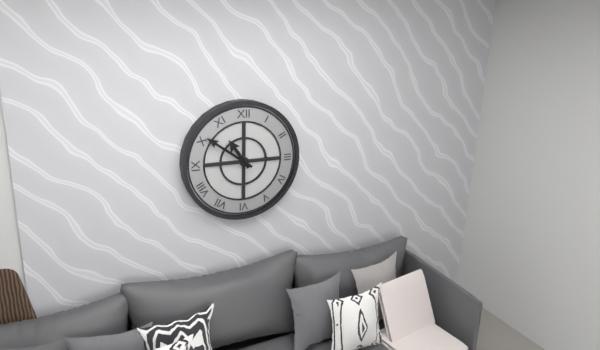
10 h 51 min
